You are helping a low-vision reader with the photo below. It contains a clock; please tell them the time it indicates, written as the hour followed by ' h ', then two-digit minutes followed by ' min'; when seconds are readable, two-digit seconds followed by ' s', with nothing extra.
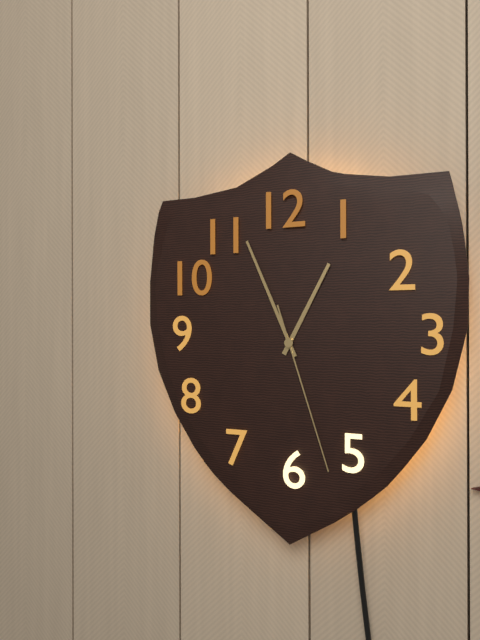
12 h 56 min 27 s
